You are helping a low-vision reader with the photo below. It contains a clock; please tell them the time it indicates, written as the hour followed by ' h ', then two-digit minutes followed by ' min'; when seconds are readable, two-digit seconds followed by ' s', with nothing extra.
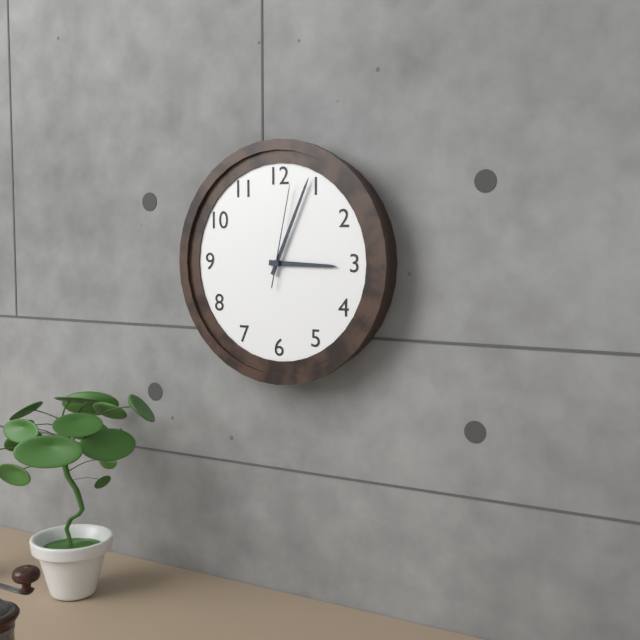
3 h 04 min 02 s
